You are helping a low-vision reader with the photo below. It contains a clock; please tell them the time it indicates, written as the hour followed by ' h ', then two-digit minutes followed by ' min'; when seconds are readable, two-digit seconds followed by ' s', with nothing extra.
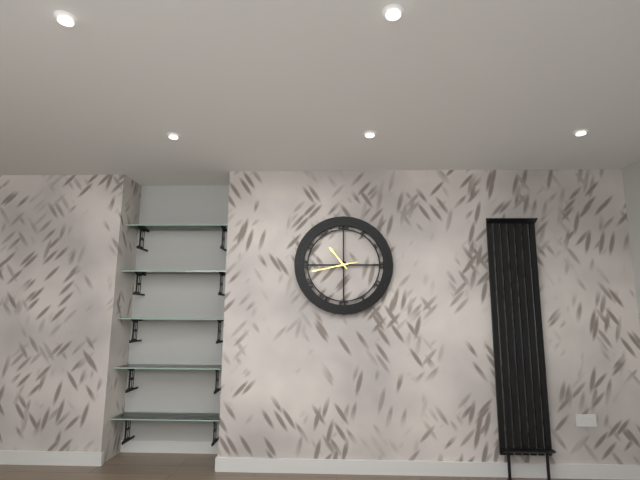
10 h 43 min
